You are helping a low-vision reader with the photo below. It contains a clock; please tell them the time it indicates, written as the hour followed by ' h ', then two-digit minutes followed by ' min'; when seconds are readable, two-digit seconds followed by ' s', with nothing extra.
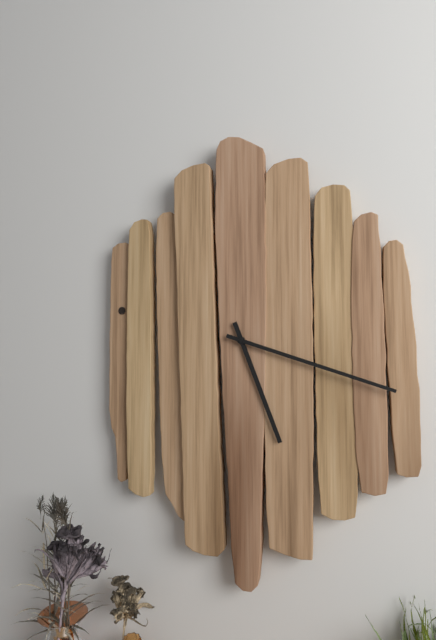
5 h 18 min
